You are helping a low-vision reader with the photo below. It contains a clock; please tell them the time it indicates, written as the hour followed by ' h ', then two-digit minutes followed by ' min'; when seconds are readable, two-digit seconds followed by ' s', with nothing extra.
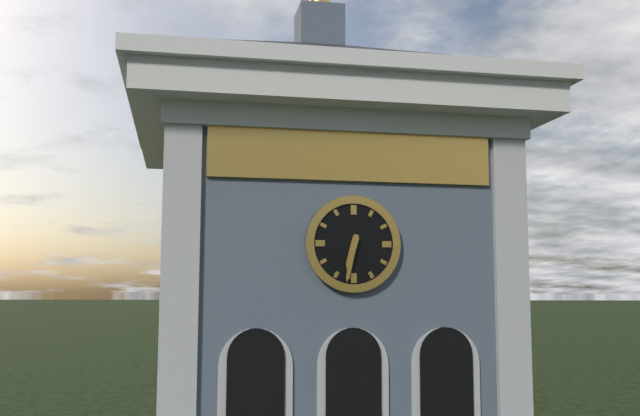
6 h 32 min
